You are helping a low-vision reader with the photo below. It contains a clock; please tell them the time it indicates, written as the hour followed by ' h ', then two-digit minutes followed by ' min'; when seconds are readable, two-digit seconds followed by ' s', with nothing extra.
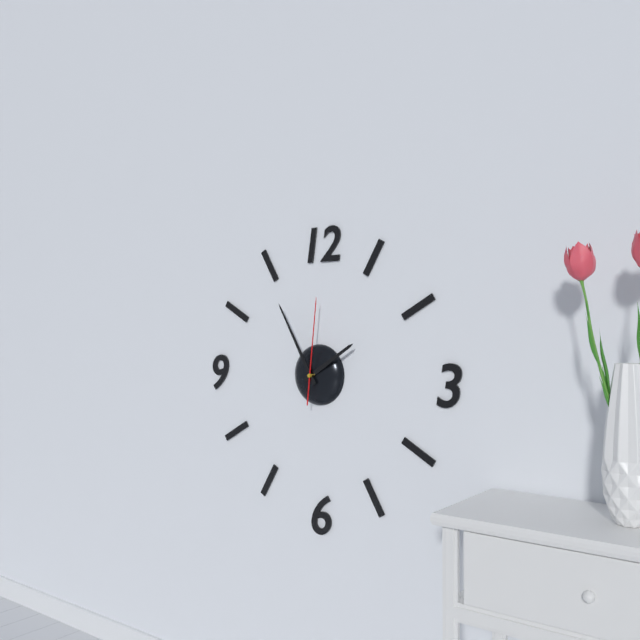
1 h 55 min 01 s
